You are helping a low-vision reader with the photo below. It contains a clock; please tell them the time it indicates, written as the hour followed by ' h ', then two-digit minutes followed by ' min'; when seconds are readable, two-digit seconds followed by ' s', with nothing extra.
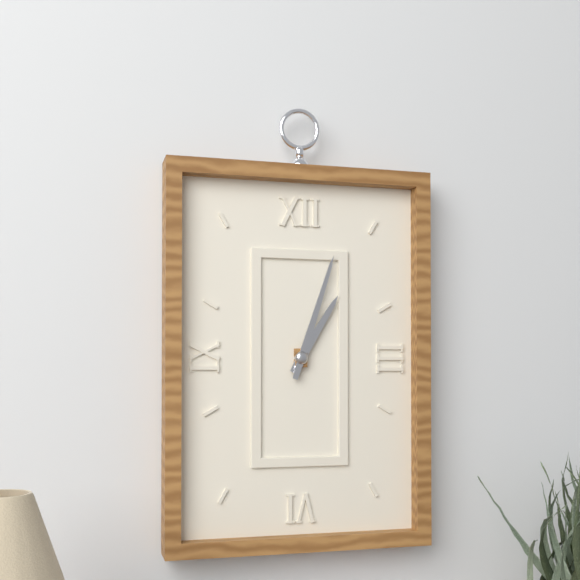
1 h 03 min
